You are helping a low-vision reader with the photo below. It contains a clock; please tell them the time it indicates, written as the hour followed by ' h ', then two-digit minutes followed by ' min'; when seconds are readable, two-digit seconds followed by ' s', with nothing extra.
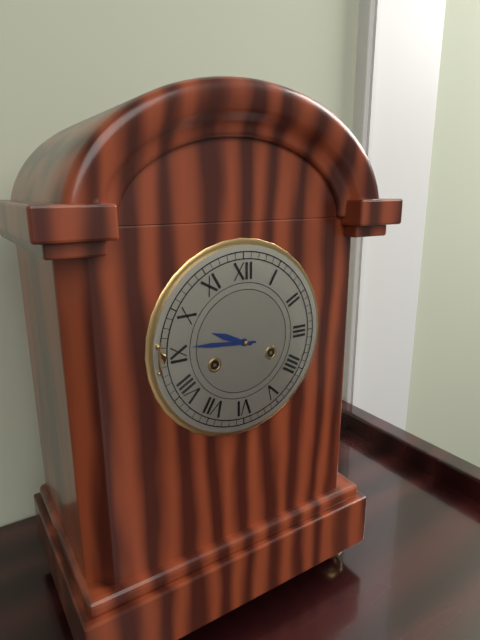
9 h 46 min
